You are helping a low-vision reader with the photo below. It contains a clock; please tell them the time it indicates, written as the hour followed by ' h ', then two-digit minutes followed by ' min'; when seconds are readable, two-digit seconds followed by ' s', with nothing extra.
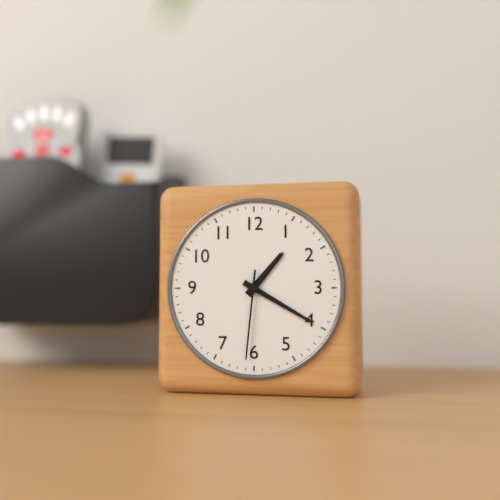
1 h 20 min 31 s
